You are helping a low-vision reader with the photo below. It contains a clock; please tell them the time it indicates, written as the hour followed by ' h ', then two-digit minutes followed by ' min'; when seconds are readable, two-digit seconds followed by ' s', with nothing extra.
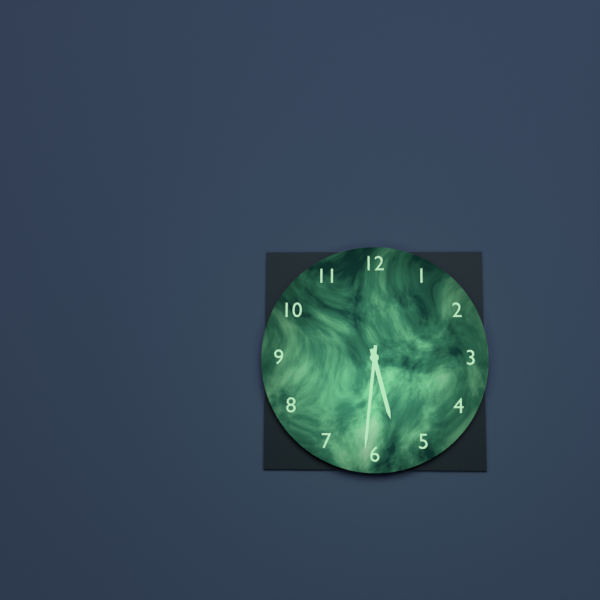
5 h 31 min
